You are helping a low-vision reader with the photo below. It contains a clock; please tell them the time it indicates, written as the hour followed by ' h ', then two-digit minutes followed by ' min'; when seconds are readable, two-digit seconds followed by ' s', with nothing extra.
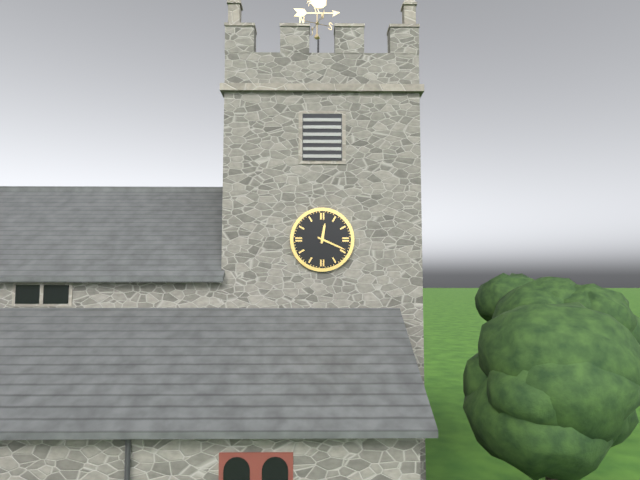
12 h 19 min
